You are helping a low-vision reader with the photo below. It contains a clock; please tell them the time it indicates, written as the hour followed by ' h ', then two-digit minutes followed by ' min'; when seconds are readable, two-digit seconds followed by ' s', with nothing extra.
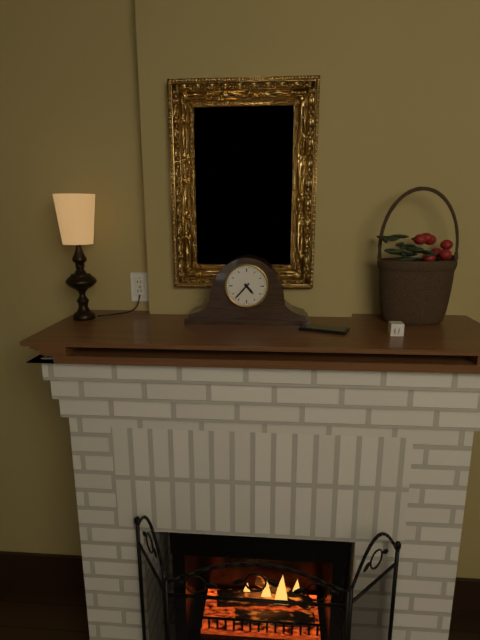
4 h 37 min
